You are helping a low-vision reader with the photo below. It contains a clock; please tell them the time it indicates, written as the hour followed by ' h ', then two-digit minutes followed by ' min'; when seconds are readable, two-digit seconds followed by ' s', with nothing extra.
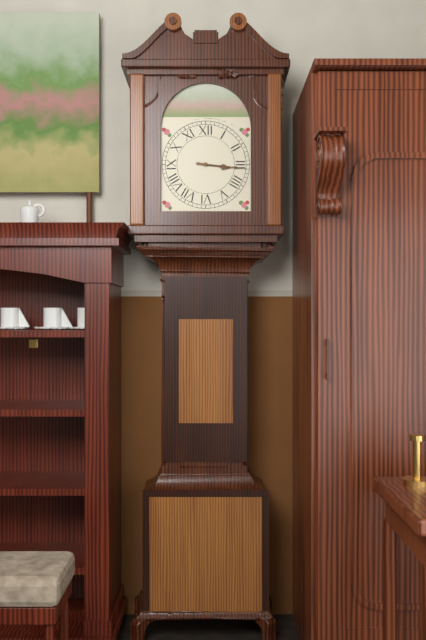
3 h 16 min
